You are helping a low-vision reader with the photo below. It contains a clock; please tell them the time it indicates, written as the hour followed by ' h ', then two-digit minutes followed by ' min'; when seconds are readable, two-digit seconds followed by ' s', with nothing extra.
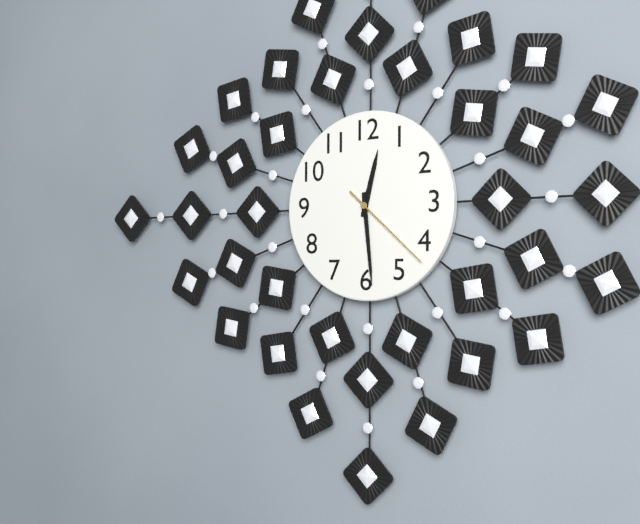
12 h 29 min 22 s
